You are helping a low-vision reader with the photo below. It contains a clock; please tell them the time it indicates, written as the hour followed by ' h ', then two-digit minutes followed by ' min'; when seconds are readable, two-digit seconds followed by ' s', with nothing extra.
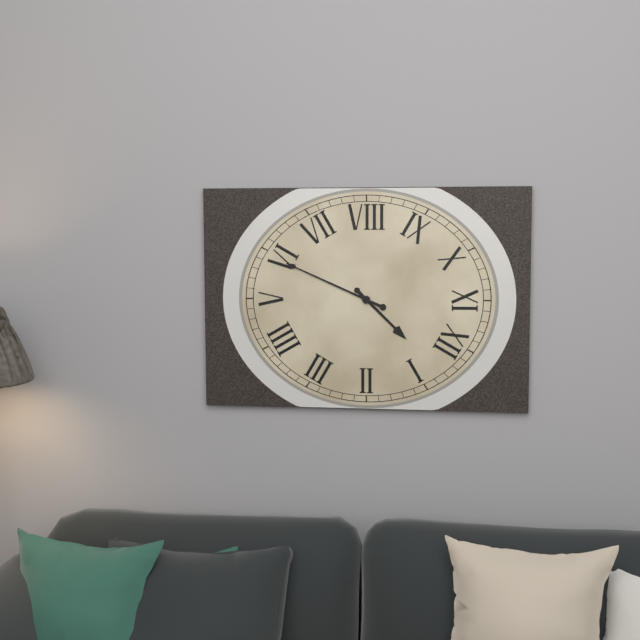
12 h 29 min
